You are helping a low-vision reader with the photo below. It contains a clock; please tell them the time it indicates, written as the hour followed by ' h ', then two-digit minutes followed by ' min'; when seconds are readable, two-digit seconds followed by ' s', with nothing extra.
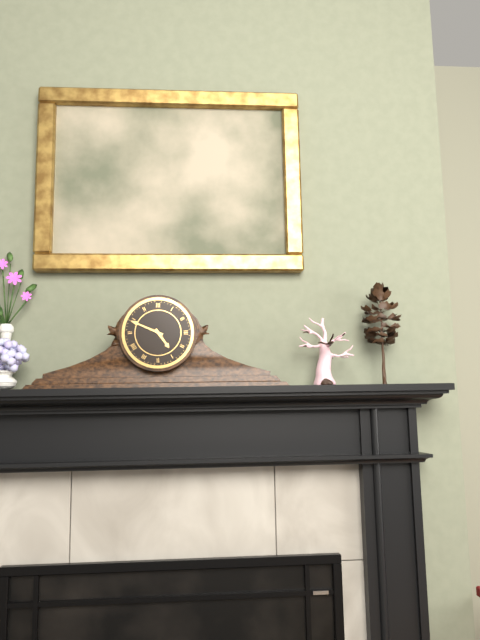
4 h 49 min
